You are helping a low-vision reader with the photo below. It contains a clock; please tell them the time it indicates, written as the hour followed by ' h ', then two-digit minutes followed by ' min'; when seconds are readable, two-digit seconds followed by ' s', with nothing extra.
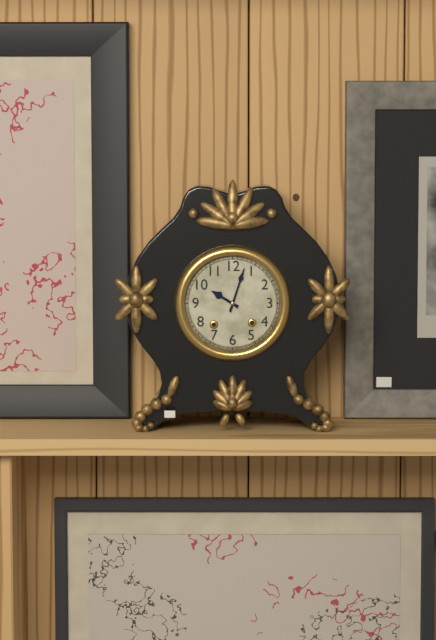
10 h 03 min
